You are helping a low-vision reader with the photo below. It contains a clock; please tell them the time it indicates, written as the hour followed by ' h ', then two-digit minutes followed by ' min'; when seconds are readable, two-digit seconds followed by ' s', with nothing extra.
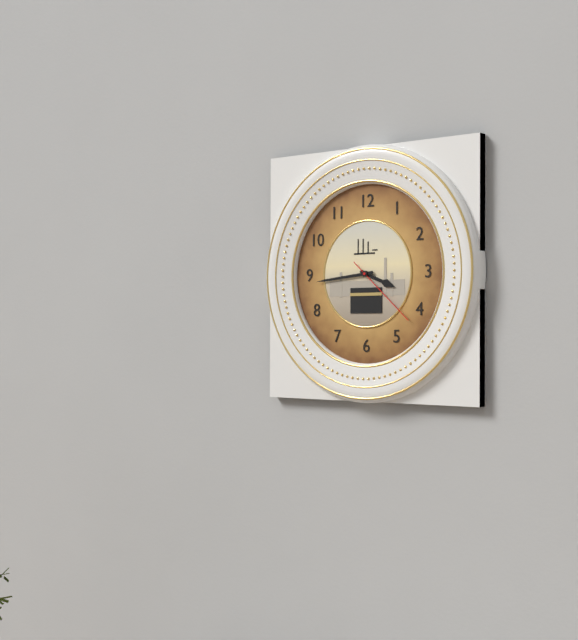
3 h 44 min 22 s
